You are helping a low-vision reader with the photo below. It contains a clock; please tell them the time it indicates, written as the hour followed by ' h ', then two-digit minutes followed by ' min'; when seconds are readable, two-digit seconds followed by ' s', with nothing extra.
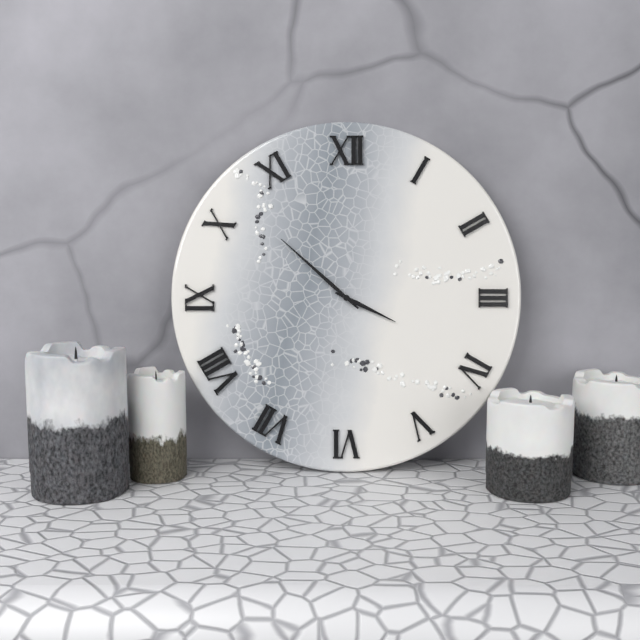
3 h 52 min
